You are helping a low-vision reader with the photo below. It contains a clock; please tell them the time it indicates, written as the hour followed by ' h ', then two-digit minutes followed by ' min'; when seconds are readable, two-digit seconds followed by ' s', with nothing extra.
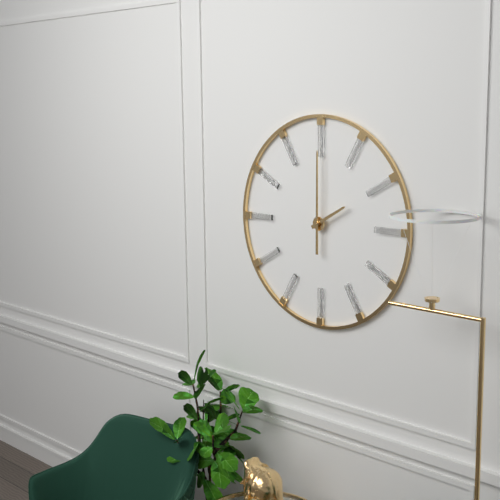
2 h 00 min
